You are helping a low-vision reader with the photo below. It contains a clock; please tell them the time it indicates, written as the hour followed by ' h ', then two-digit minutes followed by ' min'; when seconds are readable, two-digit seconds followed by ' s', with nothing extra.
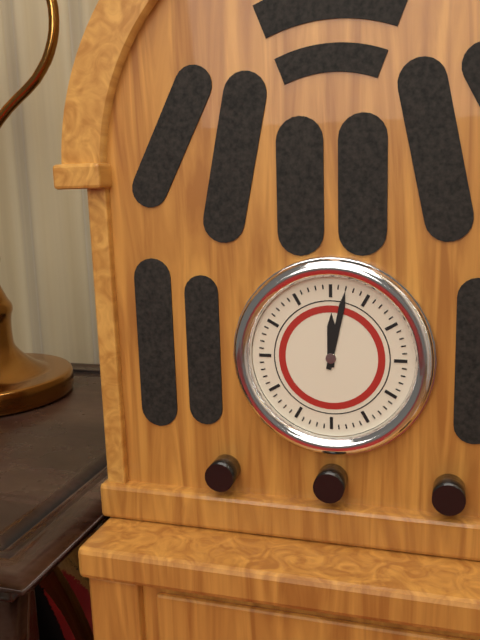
12 h 02 min
